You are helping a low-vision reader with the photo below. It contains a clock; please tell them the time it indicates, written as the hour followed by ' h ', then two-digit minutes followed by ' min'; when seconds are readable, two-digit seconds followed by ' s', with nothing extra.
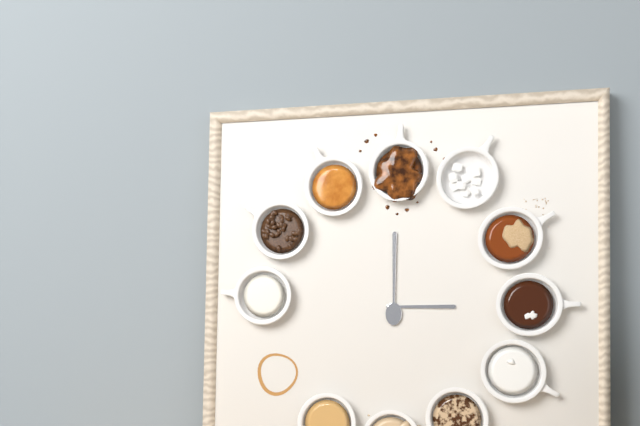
3 h 00 min
